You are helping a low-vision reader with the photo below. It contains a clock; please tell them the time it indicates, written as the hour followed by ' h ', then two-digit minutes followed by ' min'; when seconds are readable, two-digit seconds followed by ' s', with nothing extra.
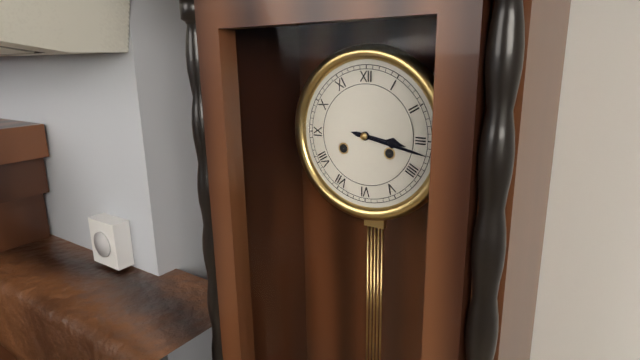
3 h 17 min
